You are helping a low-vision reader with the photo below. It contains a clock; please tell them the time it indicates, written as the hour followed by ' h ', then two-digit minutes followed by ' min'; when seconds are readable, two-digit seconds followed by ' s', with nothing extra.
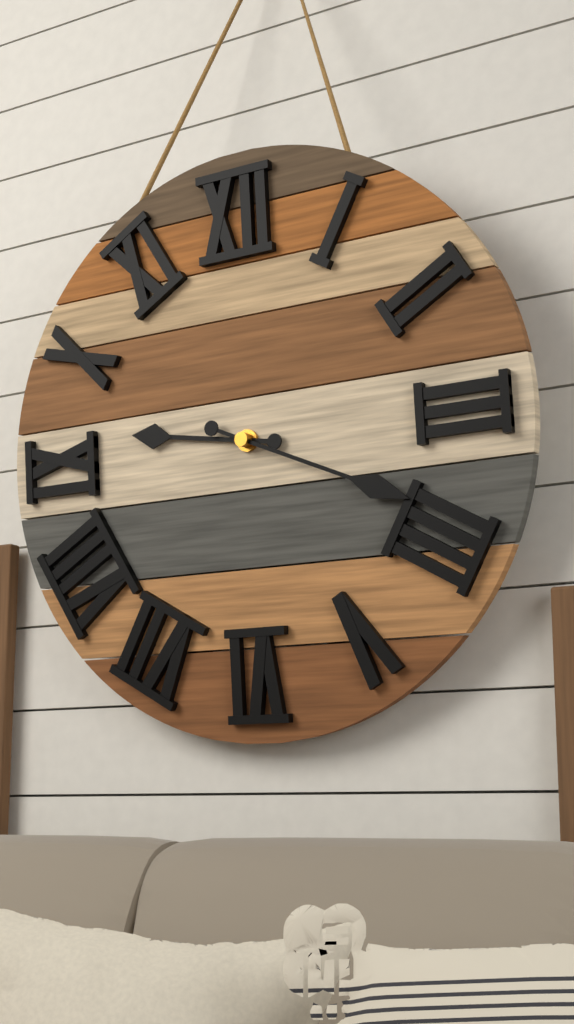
9 h 19 min
